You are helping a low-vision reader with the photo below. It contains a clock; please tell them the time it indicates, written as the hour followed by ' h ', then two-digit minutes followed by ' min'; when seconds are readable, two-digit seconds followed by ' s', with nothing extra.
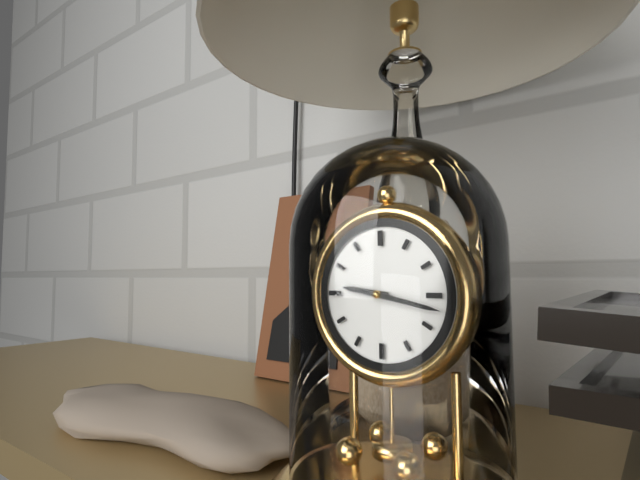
9 h 17 min
